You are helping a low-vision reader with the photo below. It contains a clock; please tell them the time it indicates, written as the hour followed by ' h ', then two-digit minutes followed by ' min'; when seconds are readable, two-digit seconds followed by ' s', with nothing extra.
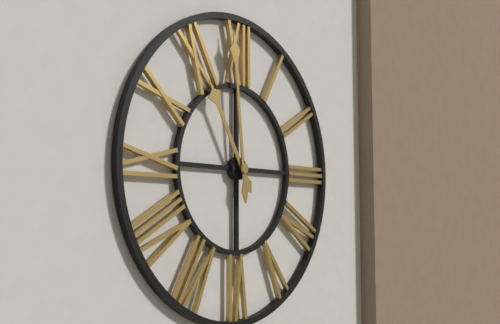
10 h 59 min
